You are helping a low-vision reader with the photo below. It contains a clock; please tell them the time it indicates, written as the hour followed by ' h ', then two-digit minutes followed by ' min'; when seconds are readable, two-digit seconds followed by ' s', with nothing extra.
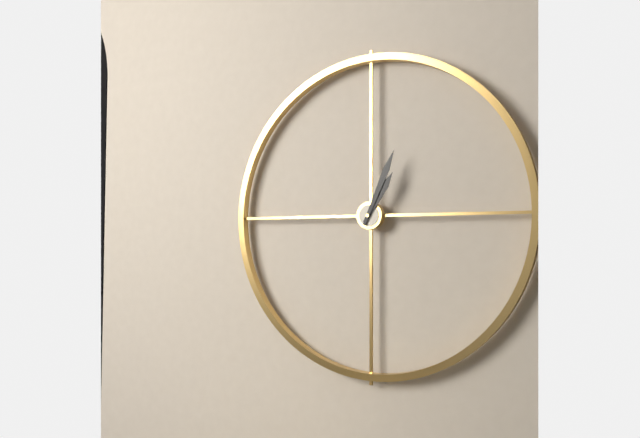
1 h 04 min
